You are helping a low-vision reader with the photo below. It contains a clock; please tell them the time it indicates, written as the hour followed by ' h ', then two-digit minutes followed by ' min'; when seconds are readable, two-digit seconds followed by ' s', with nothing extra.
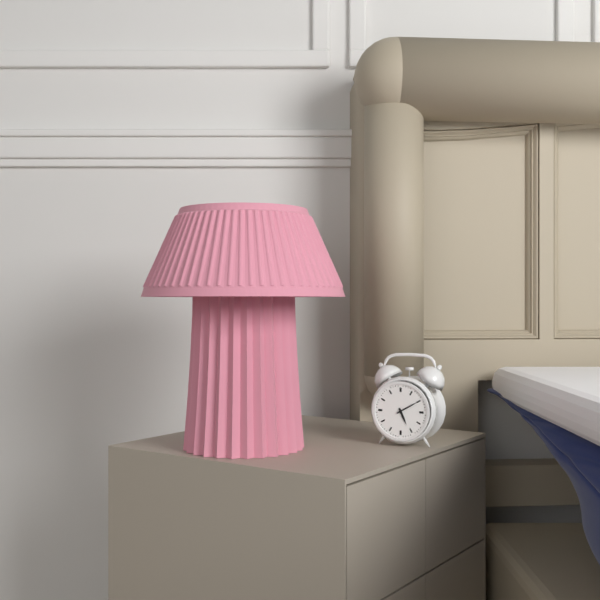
5 h 10 min
